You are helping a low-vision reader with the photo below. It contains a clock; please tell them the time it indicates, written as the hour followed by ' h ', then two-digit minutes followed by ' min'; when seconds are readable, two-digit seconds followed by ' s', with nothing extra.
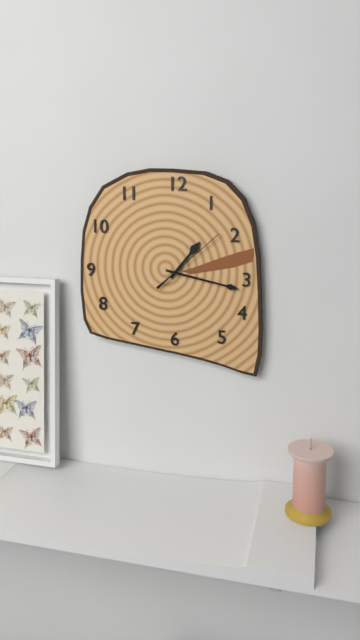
1 h 17 min 08 s
